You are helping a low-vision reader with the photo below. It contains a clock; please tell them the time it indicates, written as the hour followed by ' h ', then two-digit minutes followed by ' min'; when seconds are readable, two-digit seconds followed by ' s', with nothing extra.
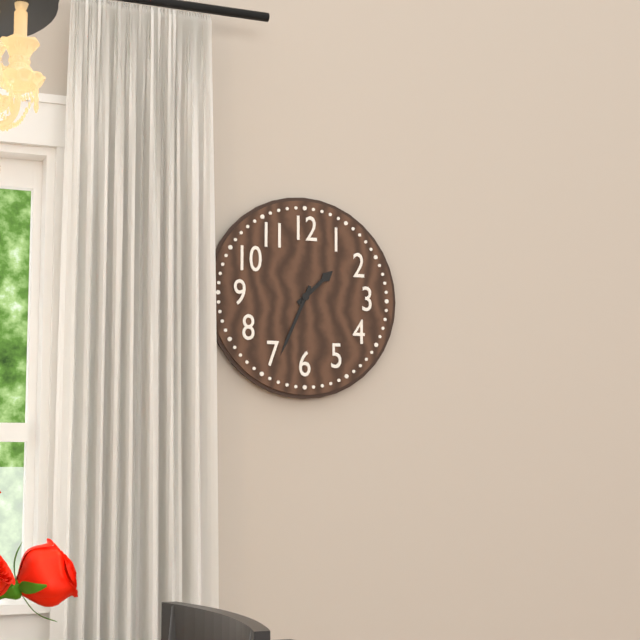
1 h 34 min
